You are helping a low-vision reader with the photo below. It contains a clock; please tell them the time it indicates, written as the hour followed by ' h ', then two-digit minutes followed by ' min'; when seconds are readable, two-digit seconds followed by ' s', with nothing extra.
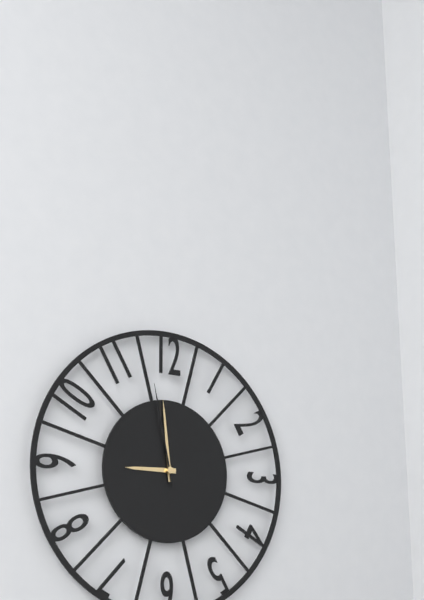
8 h 59 min 58 s
